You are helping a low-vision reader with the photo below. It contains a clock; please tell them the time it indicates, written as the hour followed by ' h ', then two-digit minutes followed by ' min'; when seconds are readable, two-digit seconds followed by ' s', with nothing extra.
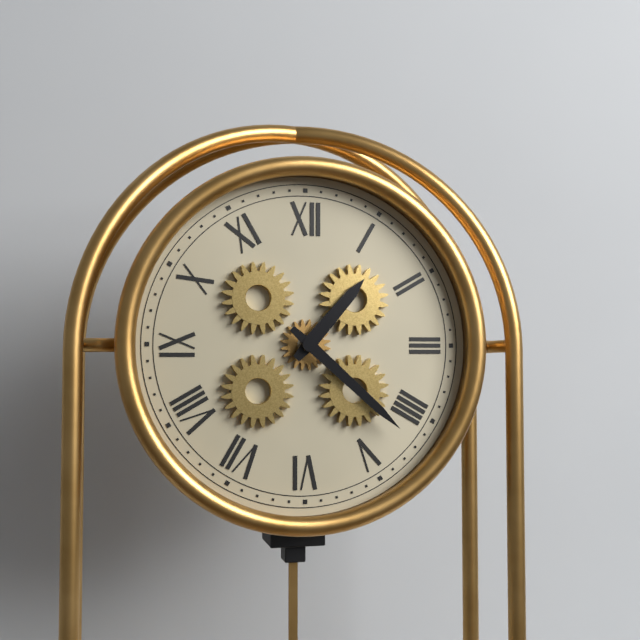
1 h 22 min
